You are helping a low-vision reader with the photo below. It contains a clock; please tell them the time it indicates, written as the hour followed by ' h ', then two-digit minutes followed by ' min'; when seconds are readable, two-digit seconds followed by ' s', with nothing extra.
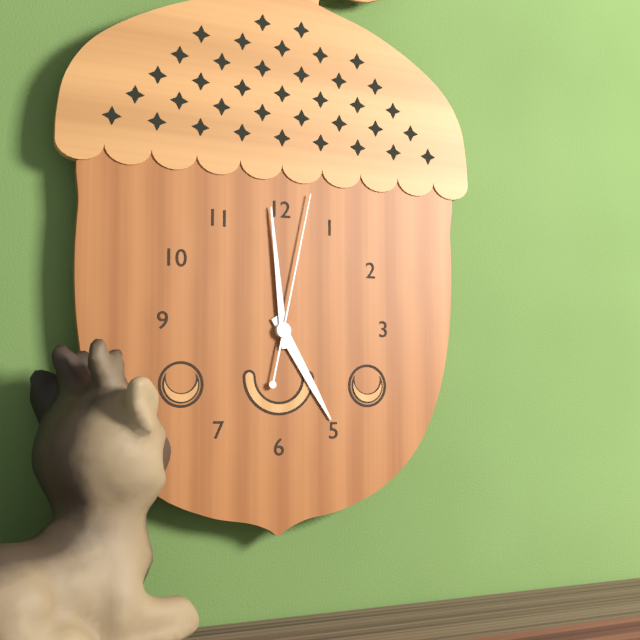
4 h 59 min 02 s
